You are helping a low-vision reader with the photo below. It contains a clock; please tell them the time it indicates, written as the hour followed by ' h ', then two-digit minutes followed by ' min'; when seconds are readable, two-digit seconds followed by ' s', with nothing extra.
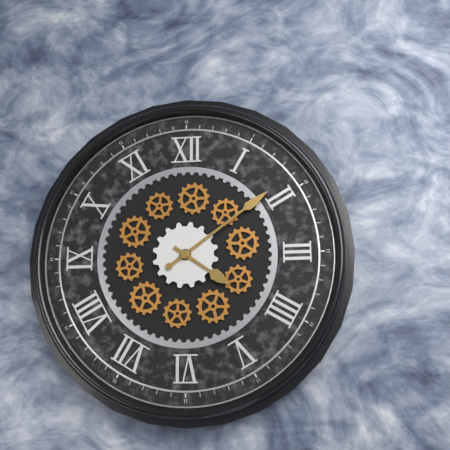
4 h 09 min
